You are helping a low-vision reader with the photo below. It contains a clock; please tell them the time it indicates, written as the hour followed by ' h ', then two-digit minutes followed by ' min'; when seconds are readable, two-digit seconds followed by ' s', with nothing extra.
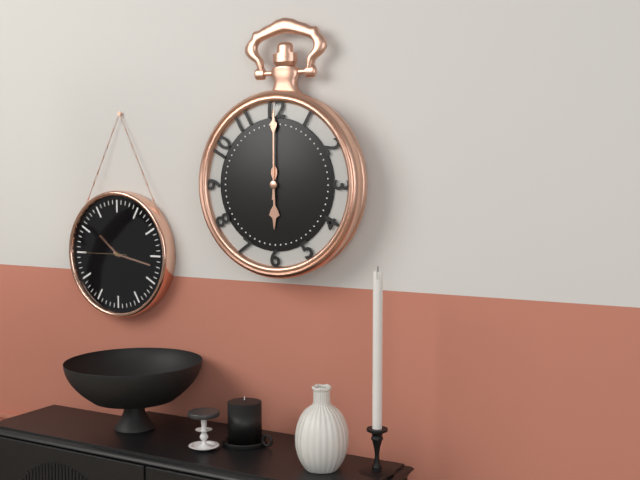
6 h 00 min
